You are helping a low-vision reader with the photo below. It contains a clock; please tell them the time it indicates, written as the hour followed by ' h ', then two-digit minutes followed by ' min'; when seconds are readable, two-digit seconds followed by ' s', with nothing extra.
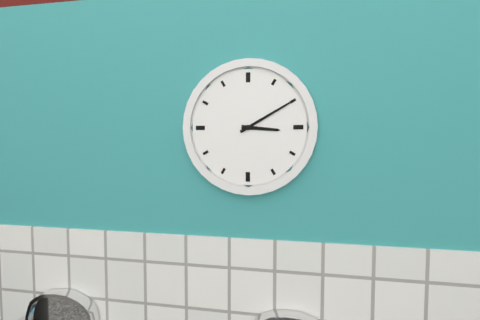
3 h 10 min
